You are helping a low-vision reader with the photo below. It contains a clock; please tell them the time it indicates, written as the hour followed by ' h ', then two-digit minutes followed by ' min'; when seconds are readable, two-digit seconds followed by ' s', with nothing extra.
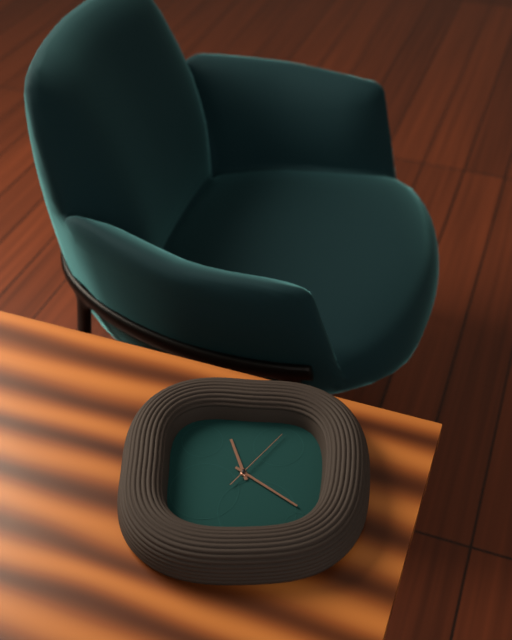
11 h 21 min 06 s
